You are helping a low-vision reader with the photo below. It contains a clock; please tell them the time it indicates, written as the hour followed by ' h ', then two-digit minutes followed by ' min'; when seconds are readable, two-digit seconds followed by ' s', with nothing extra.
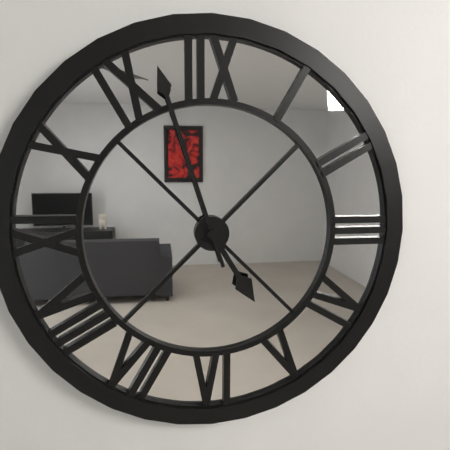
4 h 57 min
